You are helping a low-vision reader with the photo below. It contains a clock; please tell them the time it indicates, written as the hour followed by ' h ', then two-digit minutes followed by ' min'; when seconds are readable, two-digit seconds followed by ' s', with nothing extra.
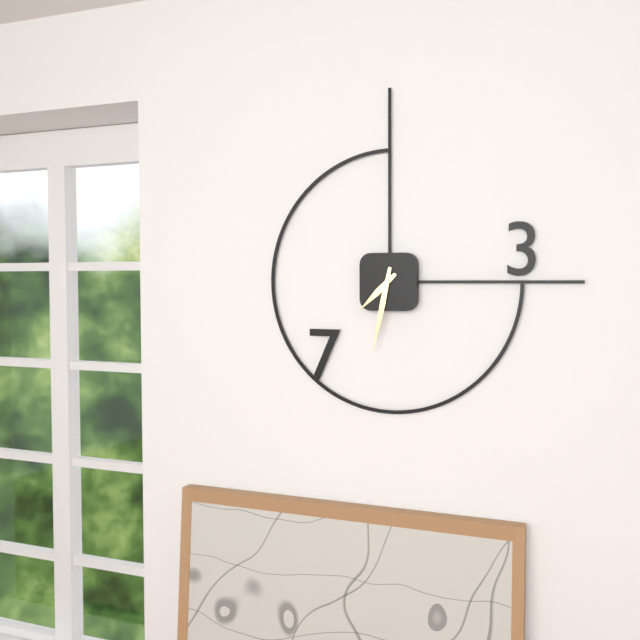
7 h 32 min
